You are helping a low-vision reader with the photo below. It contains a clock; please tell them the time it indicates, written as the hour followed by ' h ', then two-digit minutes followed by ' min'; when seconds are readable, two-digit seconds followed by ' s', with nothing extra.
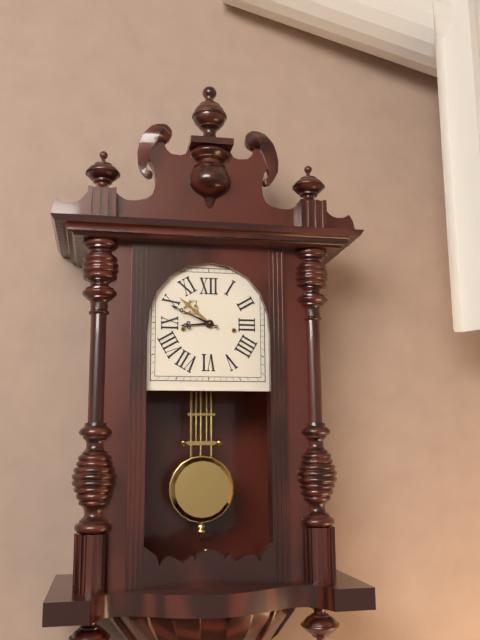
8 h 49 min
